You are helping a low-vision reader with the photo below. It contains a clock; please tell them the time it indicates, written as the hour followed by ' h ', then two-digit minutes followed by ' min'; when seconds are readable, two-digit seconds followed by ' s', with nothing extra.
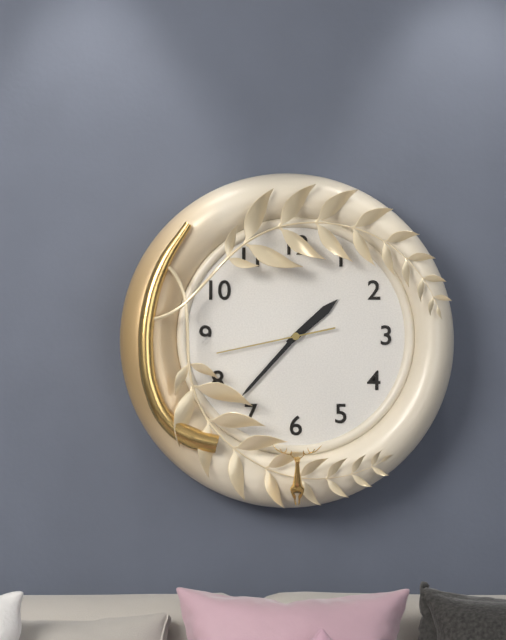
1 h 37 min 43 s
